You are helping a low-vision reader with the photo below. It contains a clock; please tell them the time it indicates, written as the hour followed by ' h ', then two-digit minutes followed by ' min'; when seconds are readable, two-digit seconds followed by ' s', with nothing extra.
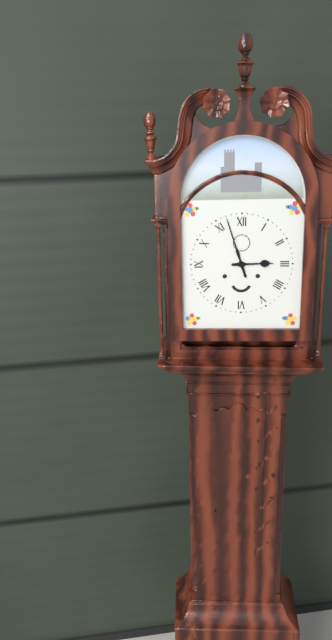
2 h 57 min
